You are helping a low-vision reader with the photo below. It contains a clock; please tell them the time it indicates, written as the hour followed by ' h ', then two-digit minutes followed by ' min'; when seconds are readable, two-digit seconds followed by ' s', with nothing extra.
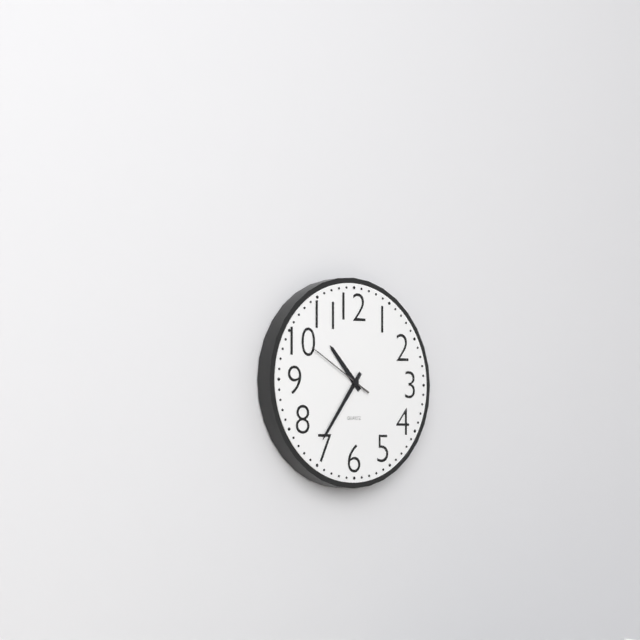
10 h 36 min 50 s
